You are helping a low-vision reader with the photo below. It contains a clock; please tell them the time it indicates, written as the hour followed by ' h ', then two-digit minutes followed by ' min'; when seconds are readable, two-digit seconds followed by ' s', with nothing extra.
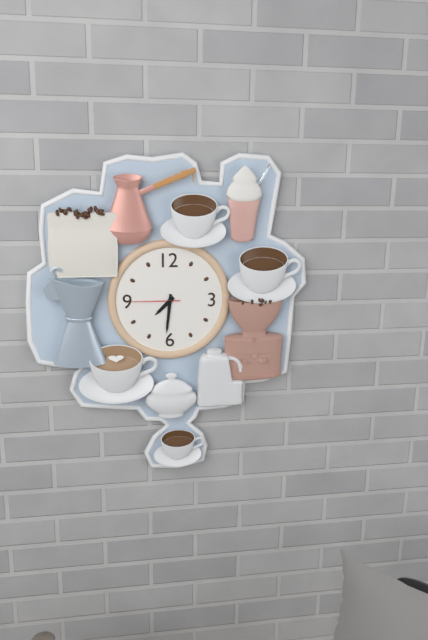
7 h 31 min
